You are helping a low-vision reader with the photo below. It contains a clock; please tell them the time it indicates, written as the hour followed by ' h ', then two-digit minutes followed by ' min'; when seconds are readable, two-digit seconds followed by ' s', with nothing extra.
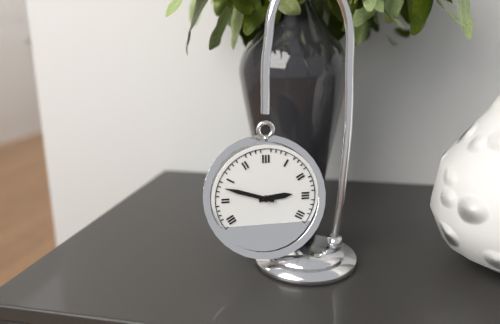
2 h 48 min
